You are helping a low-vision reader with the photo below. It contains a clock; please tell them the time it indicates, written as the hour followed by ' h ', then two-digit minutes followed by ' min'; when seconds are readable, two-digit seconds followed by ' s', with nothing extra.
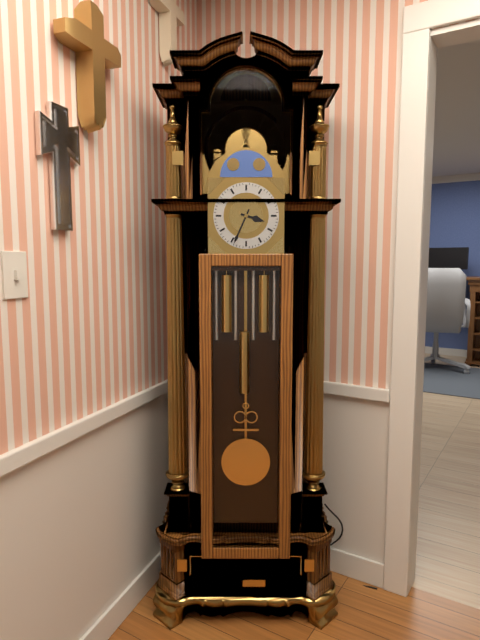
3 h 34 min
